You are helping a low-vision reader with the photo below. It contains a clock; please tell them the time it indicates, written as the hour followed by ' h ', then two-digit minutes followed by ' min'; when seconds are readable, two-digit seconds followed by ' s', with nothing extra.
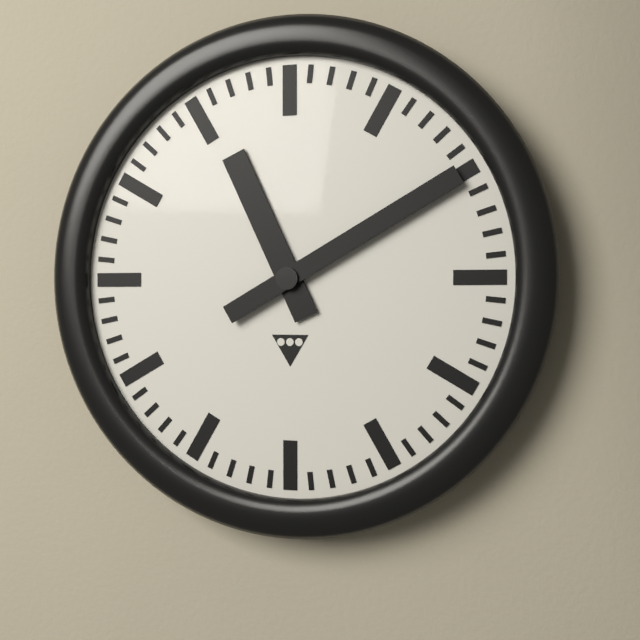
11 h 10 min
